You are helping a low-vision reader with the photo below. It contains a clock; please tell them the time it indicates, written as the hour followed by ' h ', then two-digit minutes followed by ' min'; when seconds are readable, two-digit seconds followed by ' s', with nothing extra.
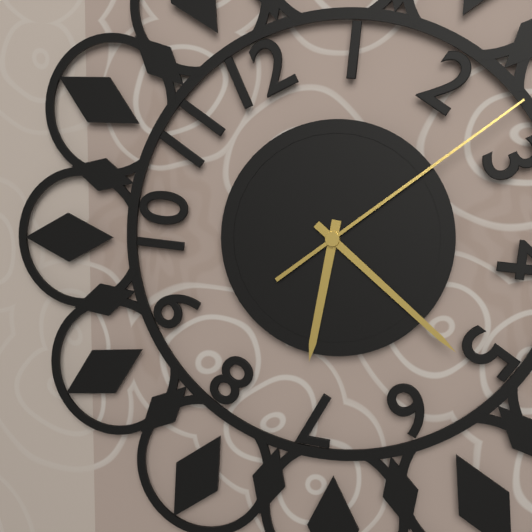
6 h 22 min 09 s
